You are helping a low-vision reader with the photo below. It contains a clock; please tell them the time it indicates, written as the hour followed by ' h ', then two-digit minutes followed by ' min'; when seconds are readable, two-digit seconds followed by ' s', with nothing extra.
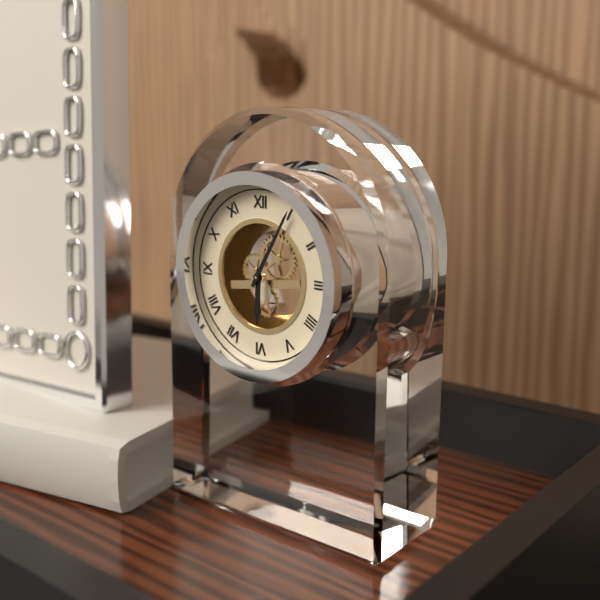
6 h 05 min
